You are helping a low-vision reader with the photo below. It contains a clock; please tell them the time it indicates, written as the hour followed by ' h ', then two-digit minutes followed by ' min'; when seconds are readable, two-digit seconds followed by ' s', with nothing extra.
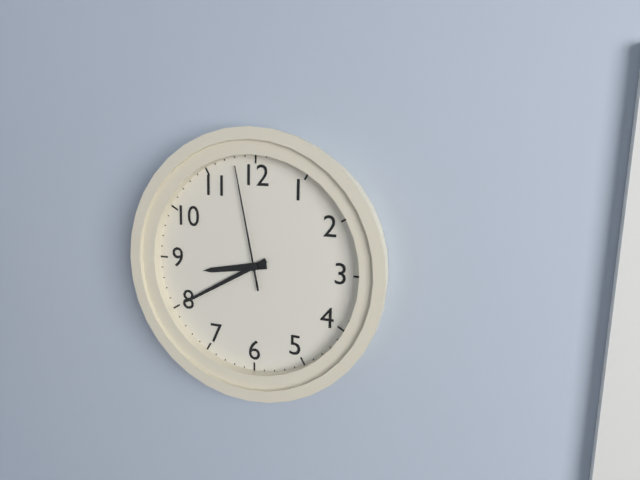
8 h 40 min 58 s
